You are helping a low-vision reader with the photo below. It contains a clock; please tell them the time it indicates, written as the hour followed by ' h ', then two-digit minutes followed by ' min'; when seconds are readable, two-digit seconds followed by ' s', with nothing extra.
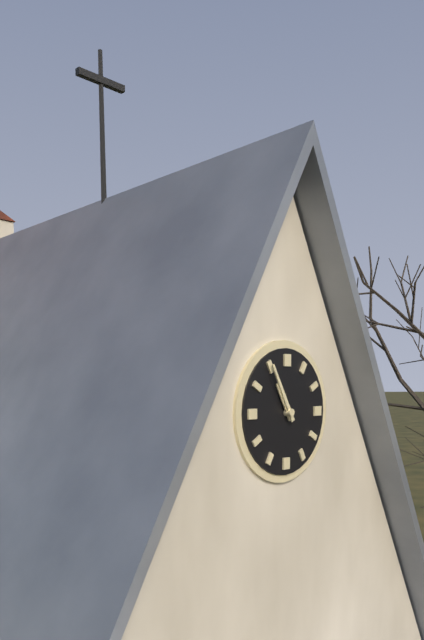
10 h 55 min
